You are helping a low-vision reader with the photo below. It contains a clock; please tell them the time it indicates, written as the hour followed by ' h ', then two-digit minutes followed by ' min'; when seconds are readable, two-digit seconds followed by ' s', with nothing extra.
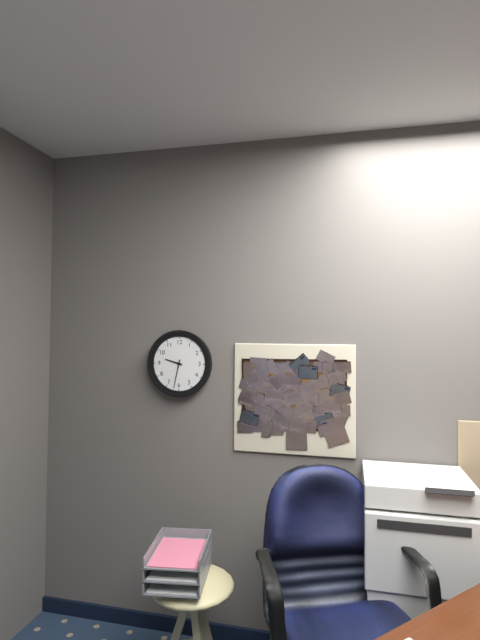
9 h 32 min
